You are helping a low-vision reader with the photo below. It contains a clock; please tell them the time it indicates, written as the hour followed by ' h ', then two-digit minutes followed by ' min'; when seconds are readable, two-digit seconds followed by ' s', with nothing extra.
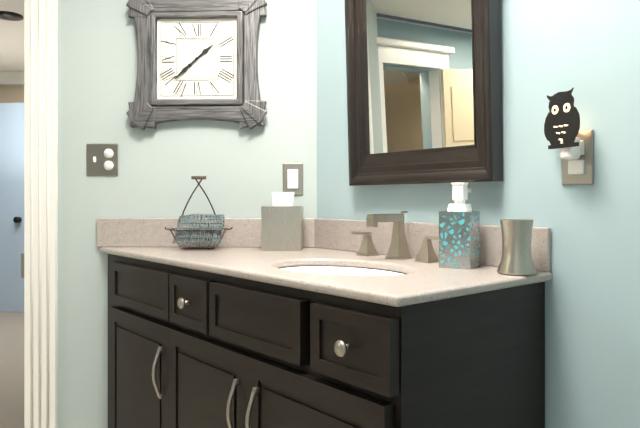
1 h 38 min
